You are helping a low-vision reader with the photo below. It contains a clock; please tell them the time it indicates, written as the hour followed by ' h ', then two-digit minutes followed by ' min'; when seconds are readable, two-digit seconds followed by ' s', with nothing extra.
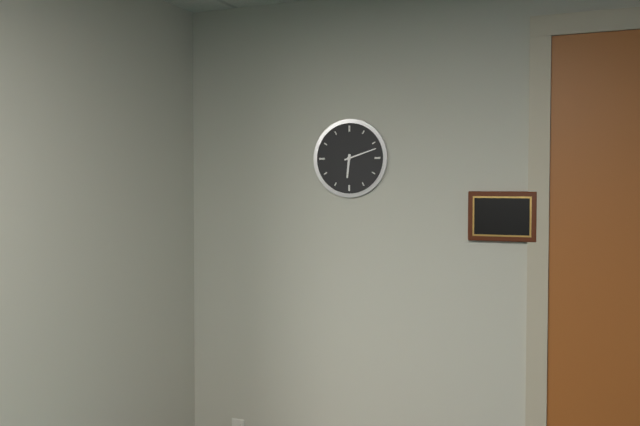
6 h 12 min
